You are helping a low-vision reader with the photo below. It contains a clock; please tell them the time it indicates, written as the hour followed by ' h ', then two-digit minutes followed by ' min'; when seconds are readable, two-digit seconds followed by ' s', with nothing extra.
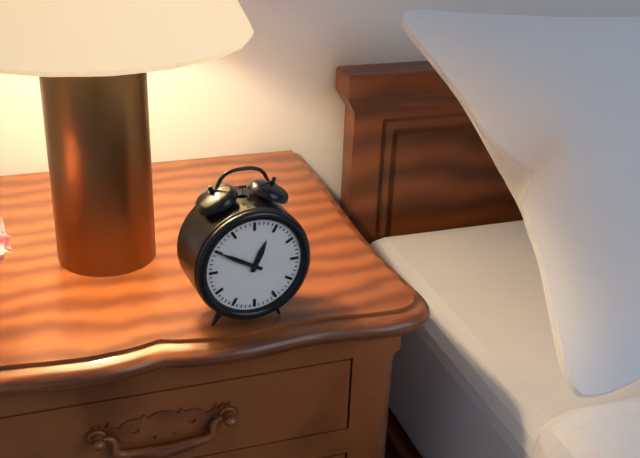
12 h 50 min
